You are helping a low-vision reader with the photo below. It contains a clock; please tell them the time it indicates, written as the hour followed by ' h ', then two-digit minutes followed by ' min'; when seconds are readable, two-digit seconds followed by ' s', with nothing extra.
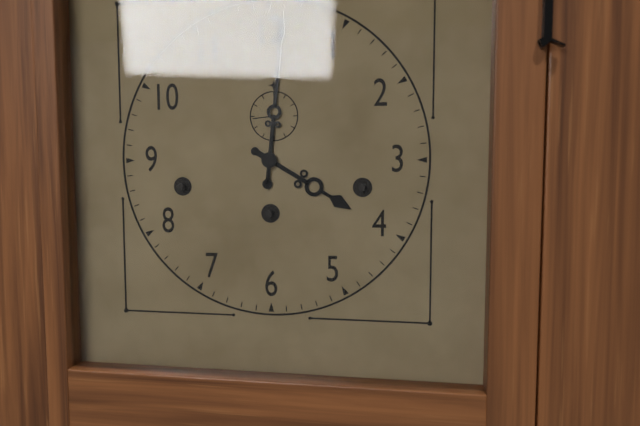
4 h 01 min
